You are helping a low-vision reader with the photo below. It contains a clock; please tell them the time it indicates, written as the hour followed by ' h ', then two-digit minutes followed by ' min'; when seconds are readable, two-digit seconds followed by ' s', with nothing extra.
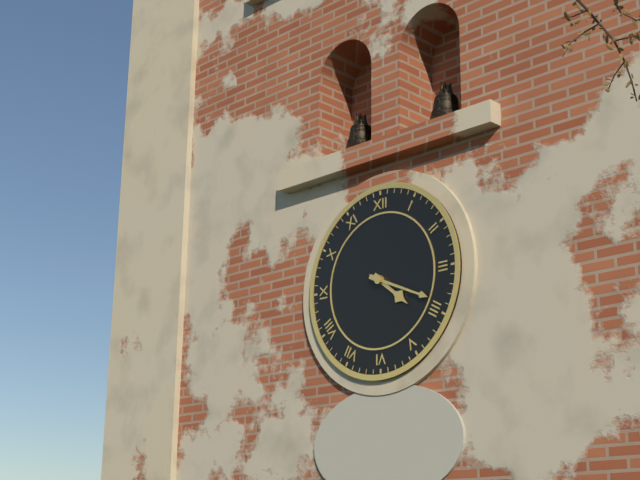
4 h 19 min
